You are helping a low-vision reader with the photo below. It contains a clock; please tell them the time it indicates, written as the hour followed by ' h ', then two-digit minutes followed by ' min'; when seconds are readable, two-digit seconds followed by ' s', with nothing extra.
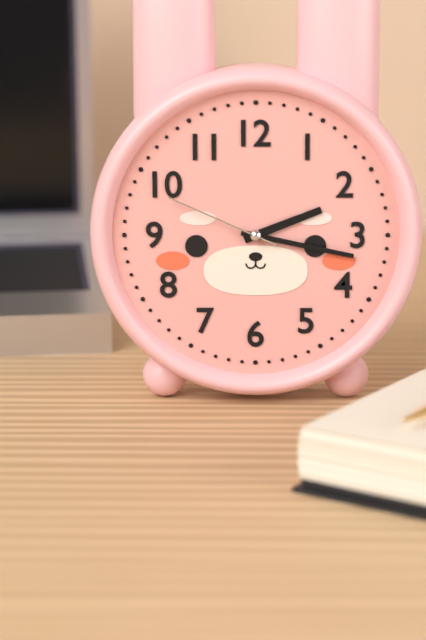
2 h 17 min 49 s
